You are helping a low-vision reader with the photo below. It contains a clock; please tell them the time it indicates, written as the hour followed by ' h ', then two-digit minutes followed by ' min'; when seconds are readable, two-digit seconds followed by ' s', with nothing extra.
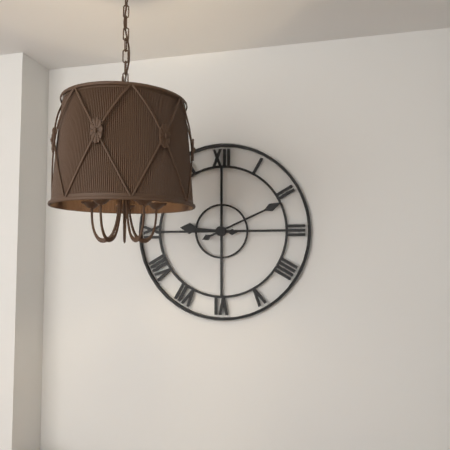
9 h 11 min
